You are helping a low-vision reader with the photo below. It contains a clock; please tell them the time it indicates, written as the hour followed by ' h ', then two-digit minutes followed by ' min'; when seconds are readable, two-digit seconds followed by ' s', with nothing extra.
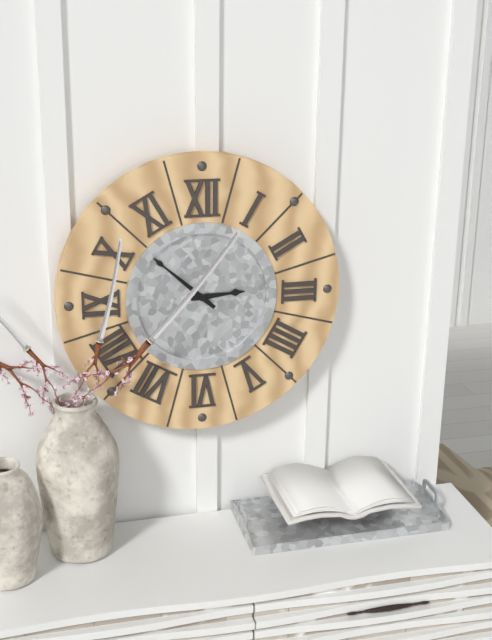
2 h 52 min
